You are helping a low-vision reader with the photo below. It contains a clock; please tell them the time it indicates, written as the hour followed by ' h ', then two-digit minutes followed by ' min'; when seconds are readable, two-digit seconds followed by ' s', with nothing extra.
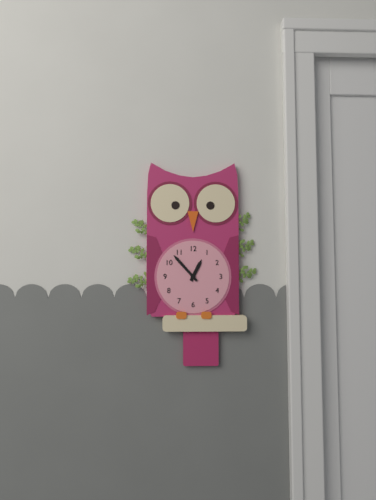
12 h 53 min
